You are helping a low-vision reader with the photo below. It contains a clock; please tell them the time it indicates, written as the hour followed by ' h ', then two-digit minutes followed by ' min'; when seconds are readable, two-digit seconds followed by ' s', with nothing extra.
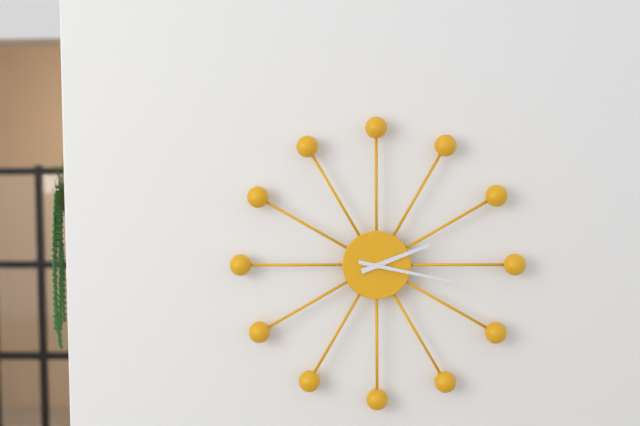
2 h 17 min
